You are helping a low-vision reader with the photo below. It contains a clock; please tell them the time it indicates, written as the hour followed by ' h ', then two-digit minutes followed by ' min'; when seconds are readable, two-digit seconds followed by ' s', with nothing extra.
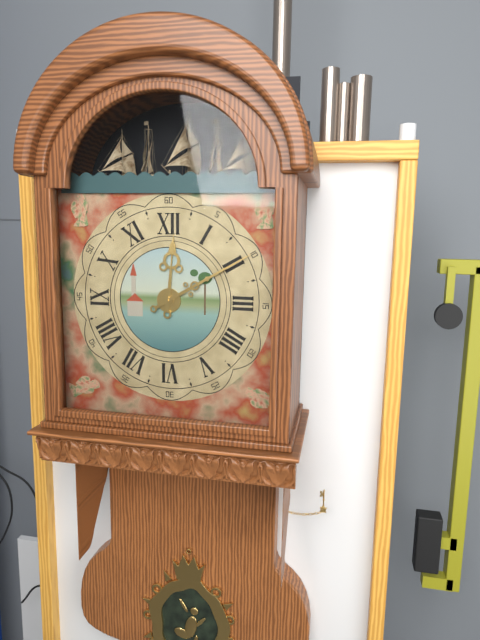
12 h 10 min
